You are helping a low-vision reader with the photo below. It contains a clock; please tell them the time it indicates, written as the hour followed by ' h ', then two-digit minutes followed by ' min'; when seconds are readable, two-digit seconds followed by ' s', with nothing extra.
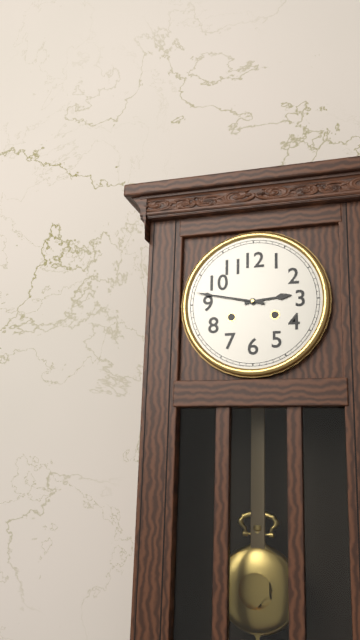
2 h 47 min
